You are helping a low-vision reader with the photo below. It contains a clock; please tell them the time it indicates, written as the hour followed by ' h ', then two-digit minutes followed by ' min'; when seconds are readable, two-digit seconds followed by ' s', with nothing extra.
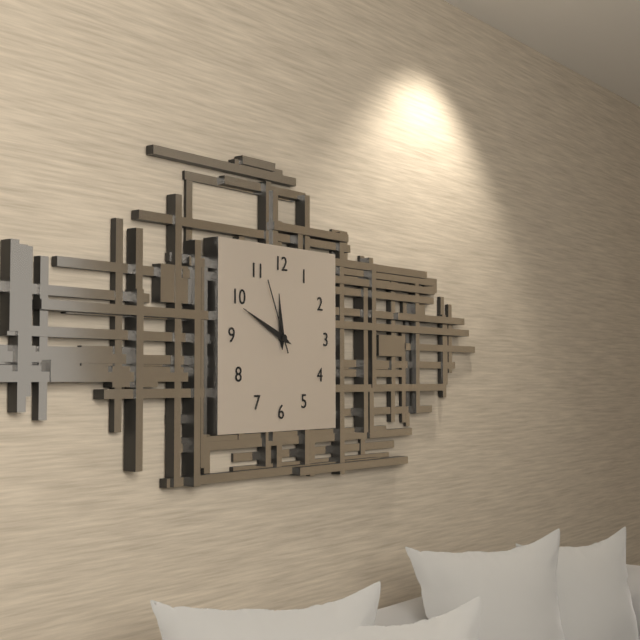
11 h 49 min 56 s
